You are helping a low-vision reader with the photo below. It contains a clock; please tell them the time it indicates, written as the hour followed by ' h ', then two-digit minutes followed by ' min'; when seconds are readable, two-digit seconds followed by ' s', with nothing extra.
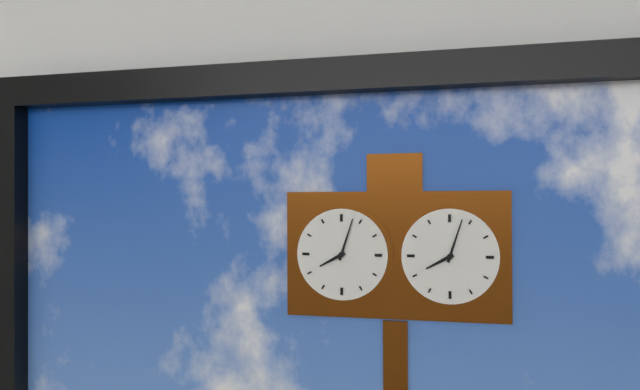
8 h 03 min
